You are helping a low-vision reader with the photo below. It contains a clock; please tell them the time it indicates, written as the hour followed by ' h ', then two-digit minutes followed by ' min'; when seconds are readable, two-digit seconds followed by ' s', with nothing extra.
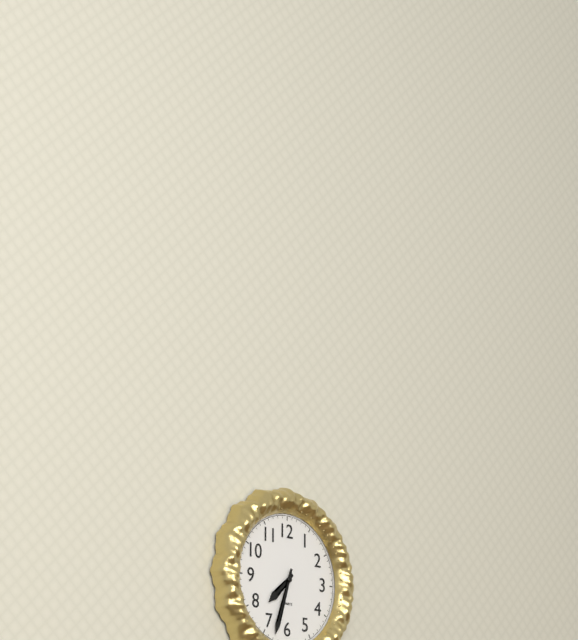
7 h 33 min
